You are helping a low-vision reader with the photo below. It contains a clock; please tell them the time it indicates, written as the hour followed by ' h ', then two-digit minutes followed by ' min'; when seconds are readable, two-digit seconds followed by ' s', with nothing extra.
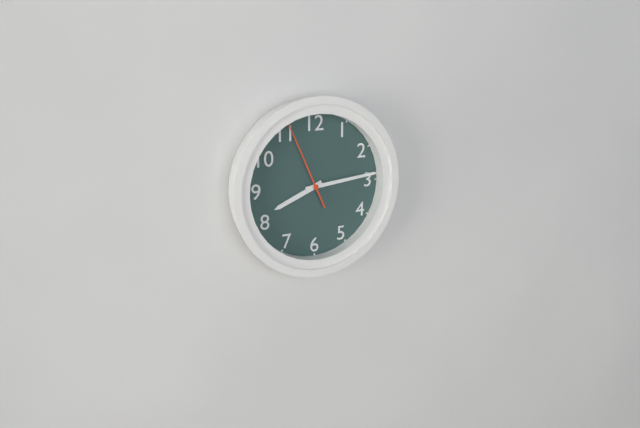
8 h 14 min 56 s
